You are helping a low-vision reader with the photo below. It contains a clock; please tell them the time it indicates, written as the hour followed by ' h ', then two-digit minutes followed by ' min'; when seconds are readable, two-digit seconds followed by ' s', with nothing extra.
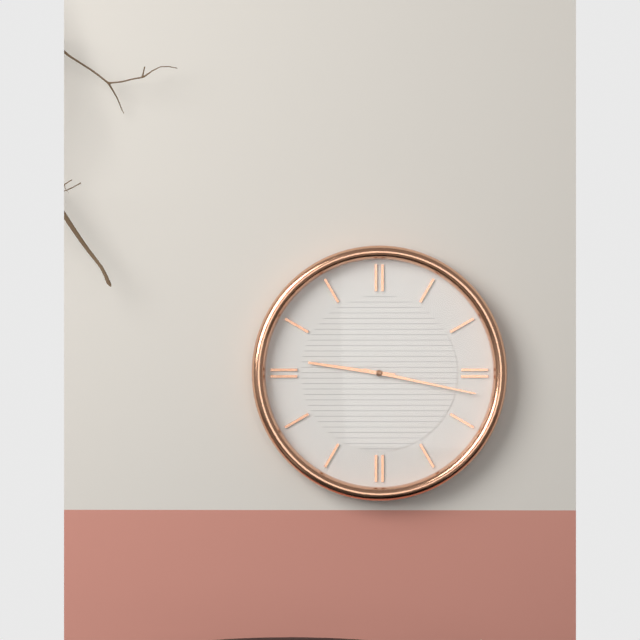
9 h 17 min
